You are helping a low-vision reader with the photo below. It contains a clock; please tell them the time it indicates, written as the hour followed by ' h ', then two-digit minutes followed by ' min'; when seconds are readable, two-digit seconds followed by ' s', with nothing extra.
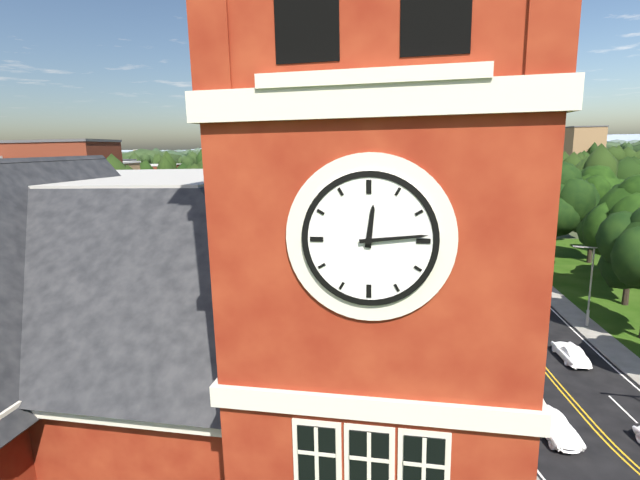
12 h 14 min
